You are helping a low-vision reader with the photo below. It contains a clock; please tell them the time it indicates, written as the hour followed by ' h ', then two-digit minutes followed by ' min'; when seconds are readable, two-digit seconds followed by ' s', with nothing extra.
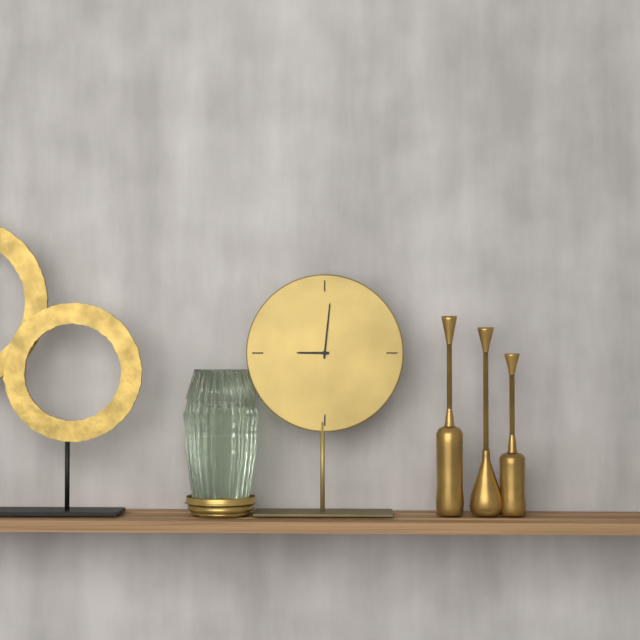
9 h 01 min
